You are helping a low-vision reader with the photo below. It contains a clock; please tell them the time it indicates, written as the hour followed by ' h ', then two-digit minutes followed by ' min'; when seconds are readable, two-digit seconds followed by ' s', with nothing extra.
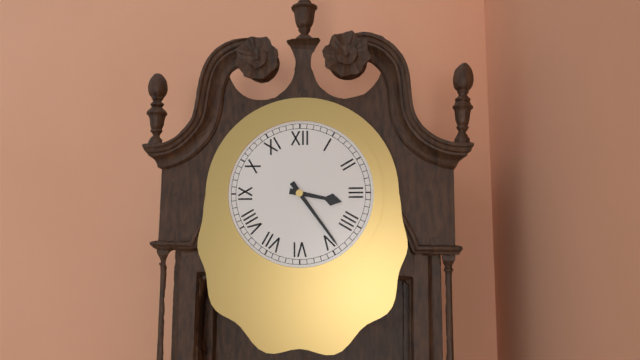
3 h 24 min
